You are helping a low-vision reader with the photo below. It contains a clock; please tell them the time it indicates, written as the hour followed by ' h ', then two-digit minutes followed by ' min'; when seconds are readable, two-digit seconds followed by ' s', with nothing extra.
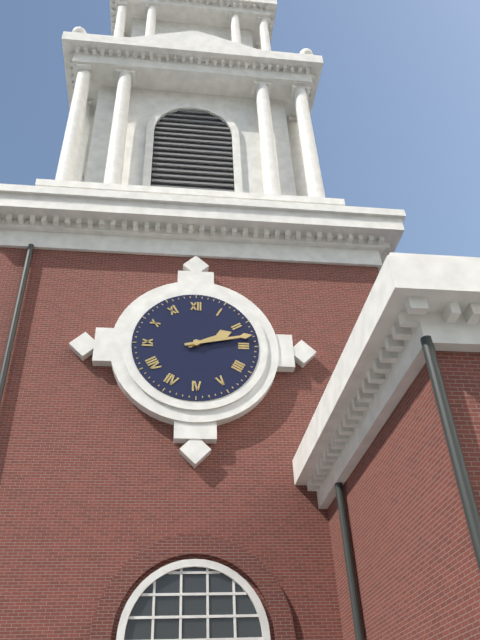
2 h 13 min
